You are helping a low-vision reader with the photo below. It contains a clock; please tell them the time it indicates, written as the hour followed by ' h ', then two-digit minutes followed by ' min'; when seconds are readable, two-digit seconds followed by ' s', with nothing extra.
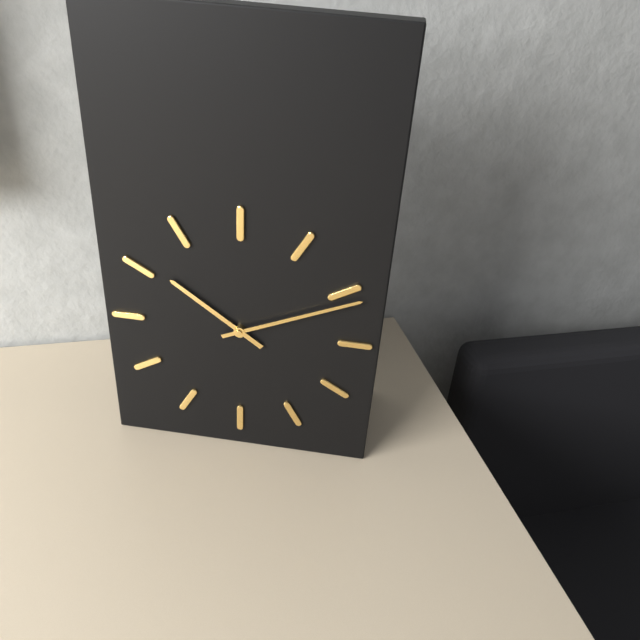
10 h 11 min
